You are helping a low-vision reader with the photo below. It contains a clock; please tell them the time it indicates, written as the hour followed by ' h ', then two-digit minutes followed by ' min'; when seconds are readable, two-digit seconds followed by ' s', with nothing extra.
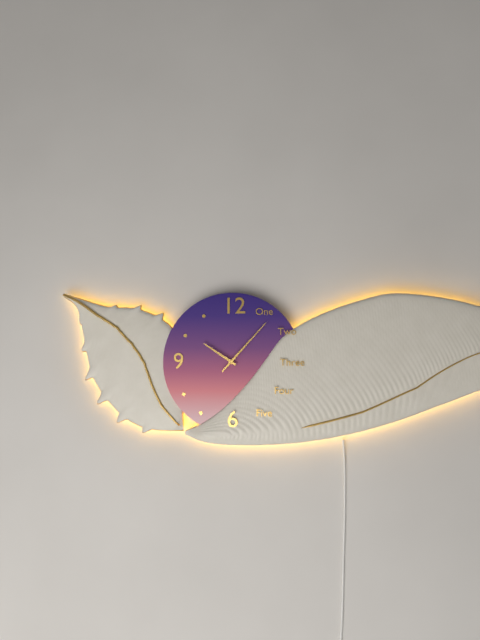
10 h 07 min
